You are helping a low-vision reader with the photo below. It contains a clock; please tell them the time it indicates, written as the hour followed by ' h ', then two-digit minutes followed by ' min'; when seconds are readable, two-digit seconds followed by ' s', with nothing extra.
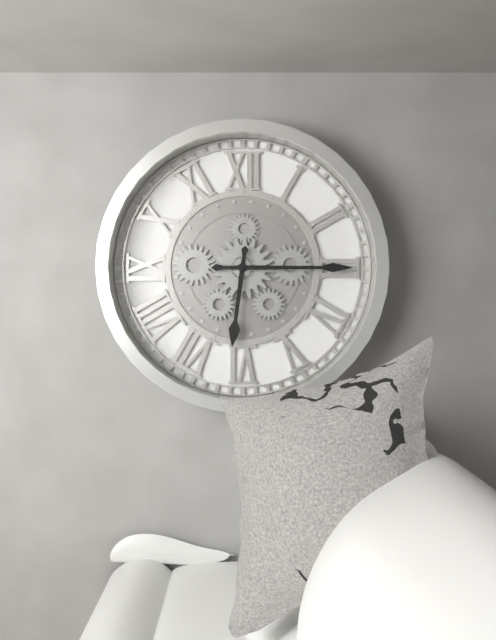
6 h 15 min
